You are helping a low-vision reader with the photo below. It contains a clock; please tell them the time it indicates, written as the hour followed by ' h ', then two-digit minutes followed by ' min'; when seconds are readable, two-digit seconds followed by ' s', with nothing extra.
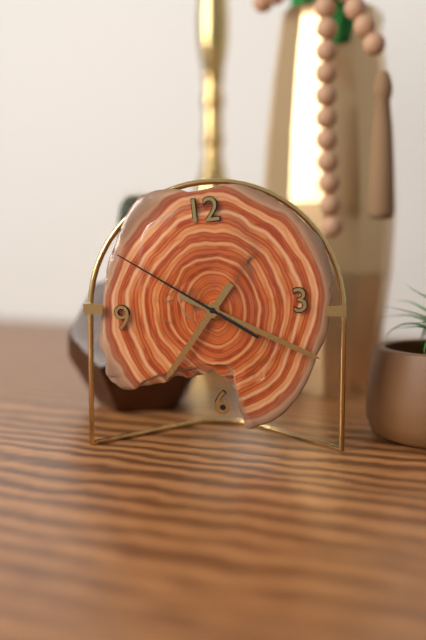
7 h 20 min 51 s
